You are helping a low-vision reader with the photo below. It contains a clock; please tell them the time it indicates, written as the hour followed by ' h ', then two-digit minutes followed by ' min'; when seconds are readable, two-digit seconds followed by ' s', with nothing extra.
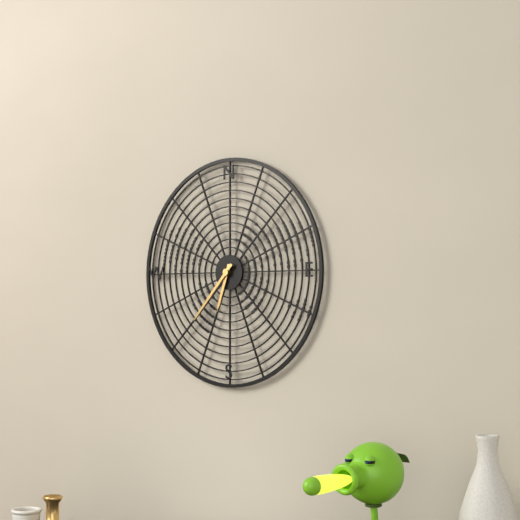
6 h 37 min
